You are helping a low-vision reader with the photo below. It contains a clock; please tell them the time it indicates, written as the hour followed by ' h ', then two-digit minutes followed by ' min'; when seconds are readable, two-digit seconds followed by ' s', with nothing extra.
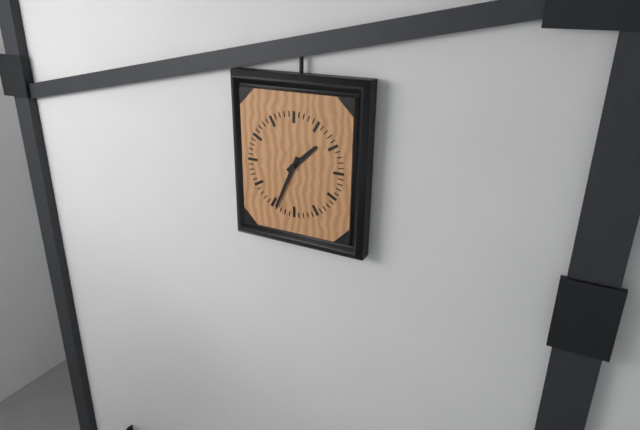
1 h 34 min
